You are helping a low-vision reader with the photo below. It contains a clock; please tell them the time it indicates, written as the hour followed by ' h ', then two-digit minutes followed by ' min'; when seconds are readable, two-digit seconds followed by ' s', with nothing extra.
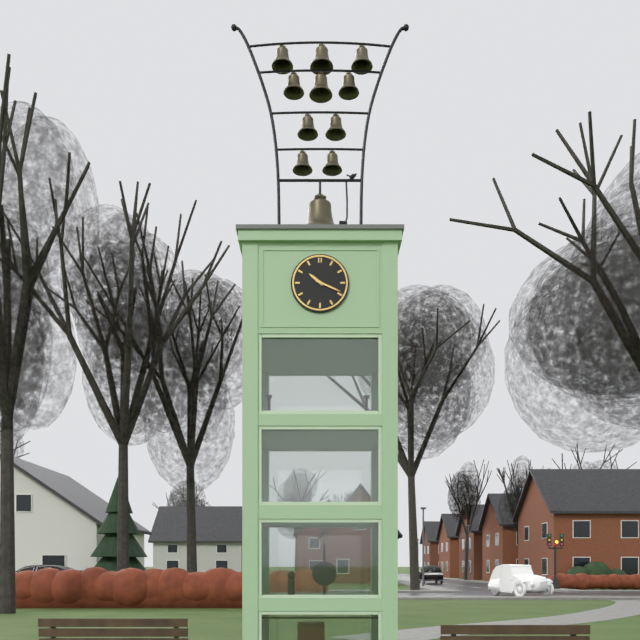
10 h 19 min
